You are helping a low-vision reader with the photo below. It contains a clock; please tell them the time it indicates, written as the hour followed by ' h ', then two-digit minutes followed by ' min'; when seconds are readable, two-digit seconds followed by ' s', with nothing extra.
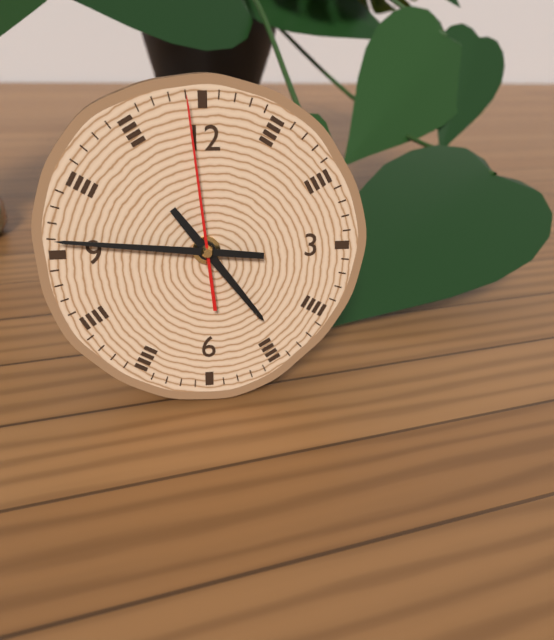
4 h 46 min 59 s
